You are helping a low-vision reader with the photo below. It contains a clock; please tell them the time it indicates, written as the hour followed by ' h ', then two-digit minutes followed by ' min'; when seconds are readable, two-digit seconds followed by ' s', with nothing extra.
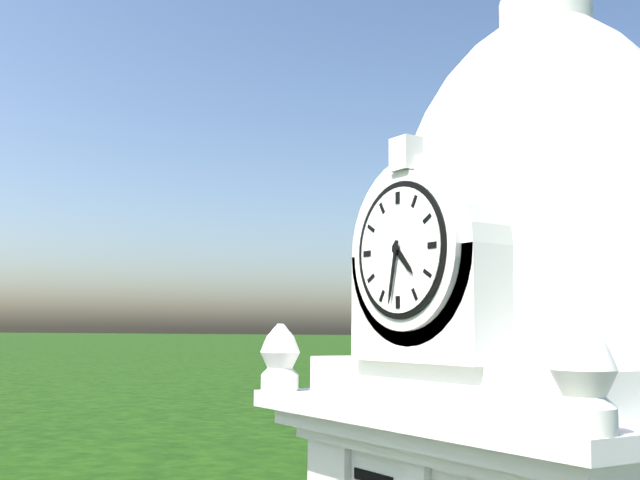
4 h 32 min
